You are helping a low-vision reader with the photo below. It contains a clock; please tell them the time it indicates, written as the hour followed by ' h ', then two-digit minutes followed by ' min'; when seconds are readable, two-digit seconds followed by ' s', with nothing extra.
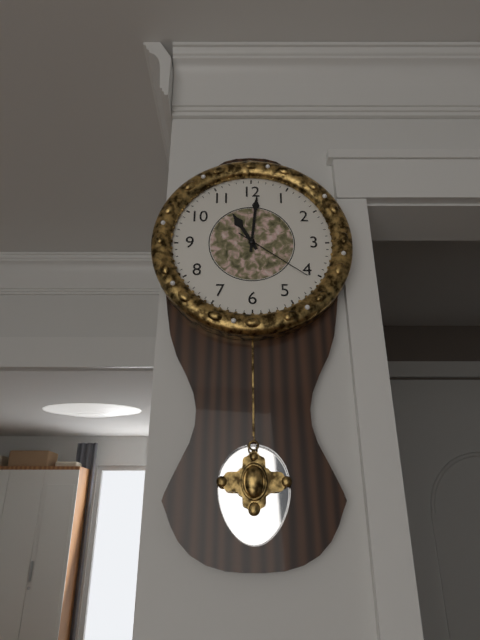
11 h 01 min 21 s
